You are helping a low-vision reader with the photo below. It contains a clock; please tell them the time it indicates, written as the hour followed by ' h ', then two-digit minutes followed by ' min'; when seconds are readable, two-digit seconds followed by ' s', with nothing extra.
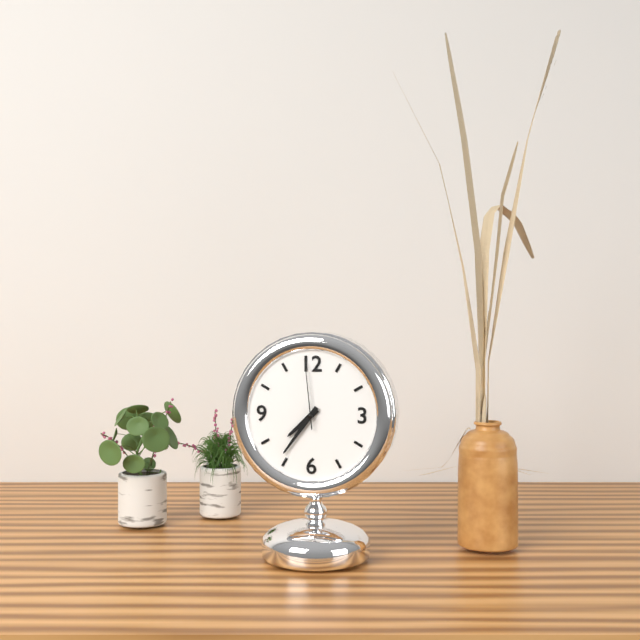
7 h 36 min 59 s
